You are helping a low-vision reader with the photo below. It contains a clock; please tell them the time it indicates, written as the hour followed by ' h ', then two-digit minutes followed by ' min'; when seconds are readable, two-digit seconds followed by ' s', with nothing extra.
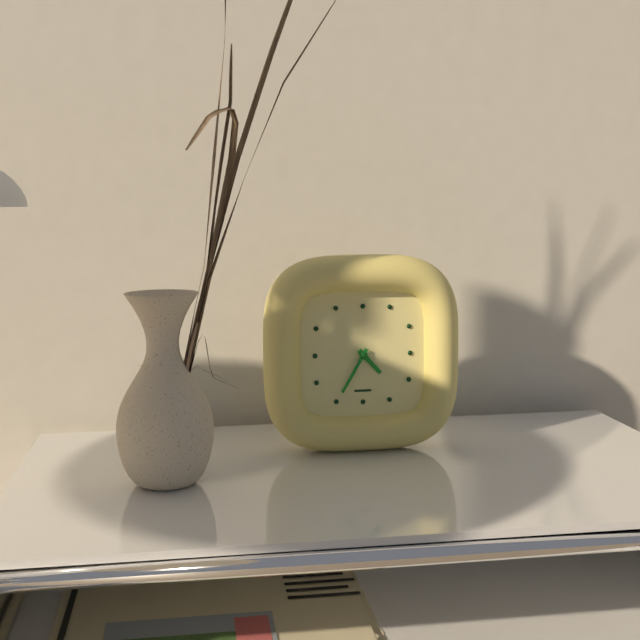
4 h 35 min
